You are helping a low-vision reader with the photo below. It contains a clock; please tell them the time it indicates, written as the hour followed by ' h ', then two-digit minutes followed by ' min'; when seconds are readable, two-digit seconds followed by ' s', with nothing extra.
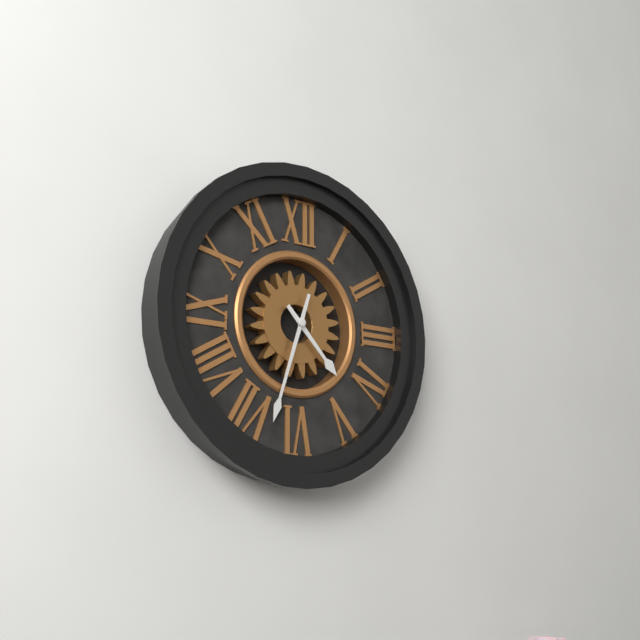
4 h 33 min
